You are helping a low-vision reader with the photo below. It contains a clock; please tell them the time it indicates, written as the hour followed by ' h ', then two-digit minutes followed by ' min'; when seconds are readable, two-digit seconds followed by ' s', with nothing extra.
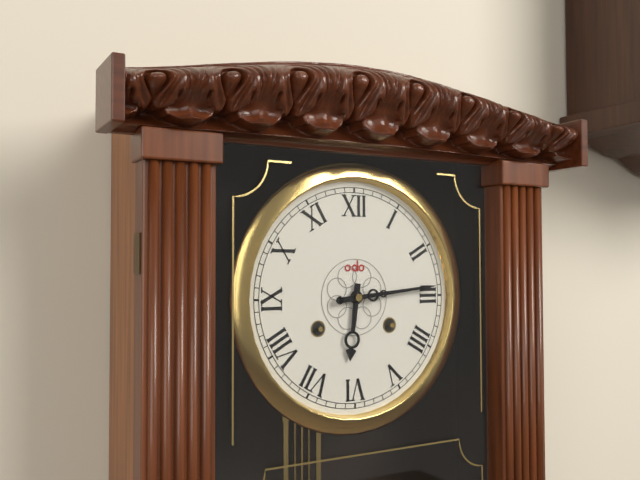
6 h 14 min
